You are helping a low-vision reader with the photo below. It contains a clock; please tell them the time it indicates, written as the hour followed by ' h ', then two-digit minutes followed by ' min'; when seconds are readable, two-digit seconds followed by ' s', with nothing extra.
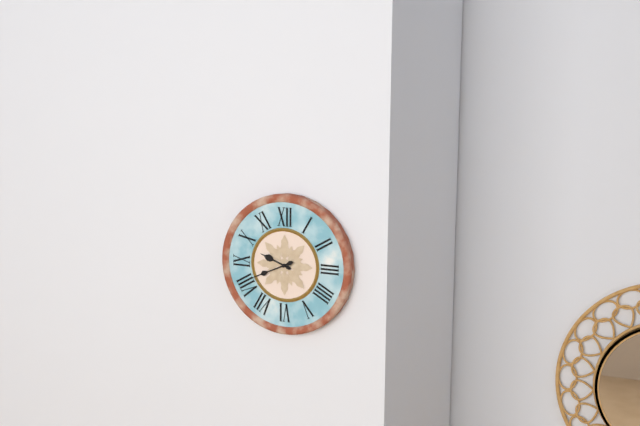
9 h 41 min
